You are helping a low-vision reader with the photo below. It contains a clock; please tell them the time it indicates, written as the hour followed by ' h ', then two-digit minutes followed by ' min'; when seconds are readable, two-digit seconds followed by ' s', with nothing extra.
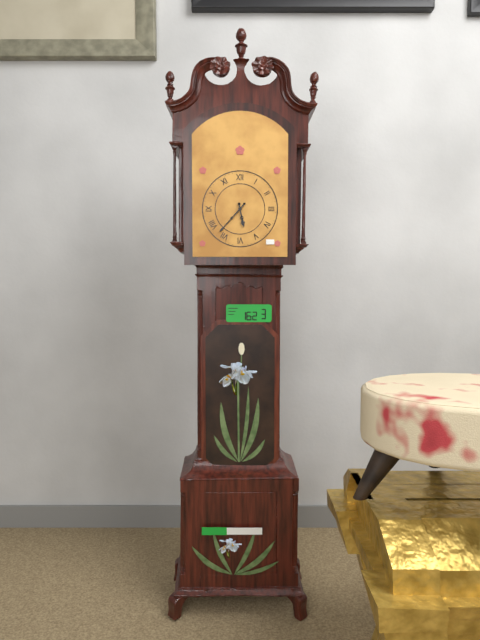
5 h 37 min
